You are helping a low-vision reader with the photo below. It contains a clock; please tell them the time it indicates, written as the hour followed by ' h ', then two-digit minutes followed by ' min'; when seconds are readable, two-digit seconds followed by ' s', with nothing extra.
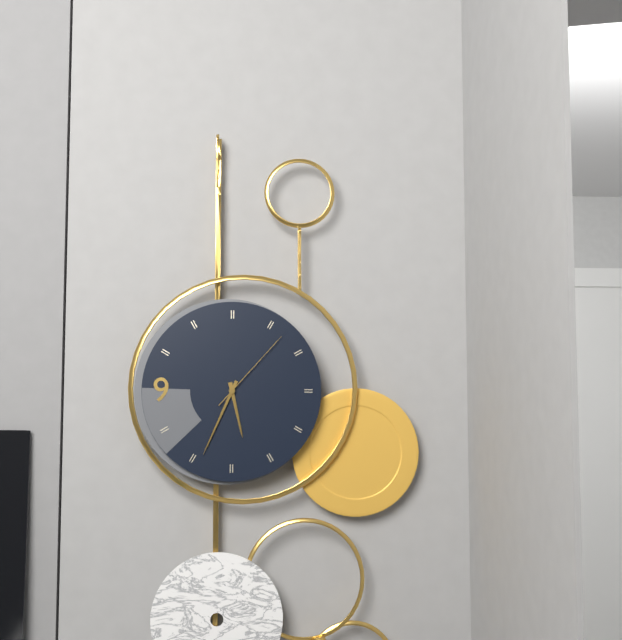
5 h 34 min 07 s
